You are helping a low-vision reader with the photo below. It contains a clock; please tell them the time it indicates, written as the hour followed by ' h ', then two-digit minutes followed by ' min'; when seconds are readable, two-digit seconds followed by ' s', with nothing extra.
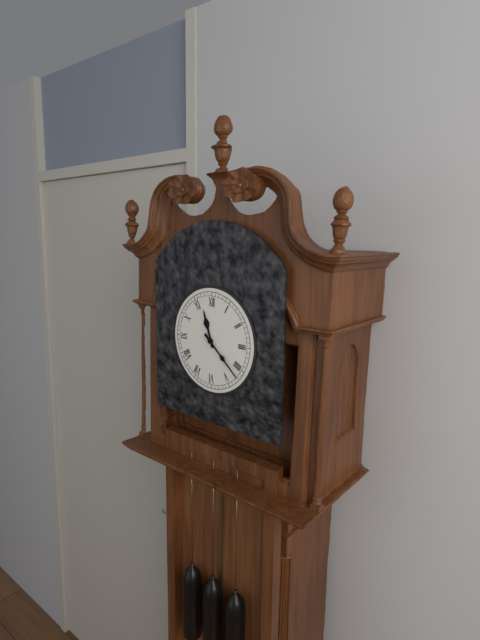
11 h 22 min
